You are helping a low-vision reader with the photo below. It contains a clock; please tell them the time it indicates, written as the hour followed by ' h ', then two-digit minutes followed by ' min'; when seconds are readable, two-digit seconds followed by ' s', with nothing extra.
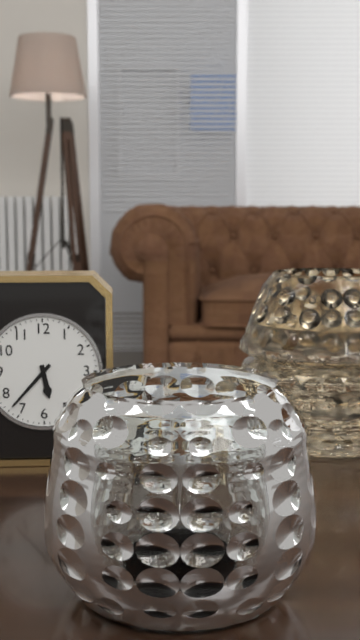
5 h 37 min
